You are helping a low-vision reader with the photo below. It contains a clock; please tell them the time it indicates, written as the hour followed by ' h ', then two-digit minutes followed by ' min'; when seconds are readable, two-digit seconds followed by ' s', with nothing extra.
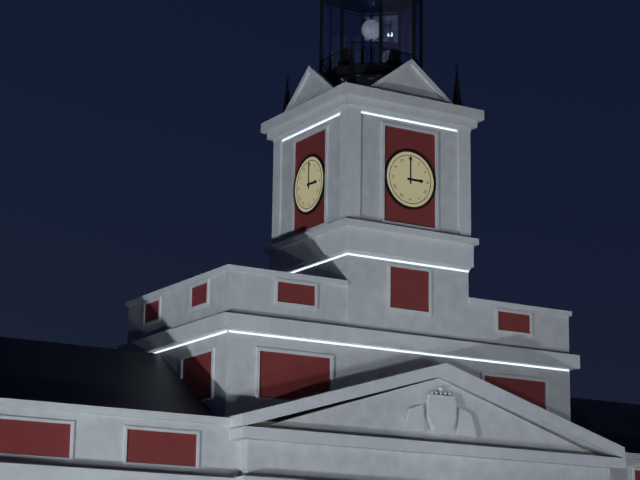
3 h 00 min
